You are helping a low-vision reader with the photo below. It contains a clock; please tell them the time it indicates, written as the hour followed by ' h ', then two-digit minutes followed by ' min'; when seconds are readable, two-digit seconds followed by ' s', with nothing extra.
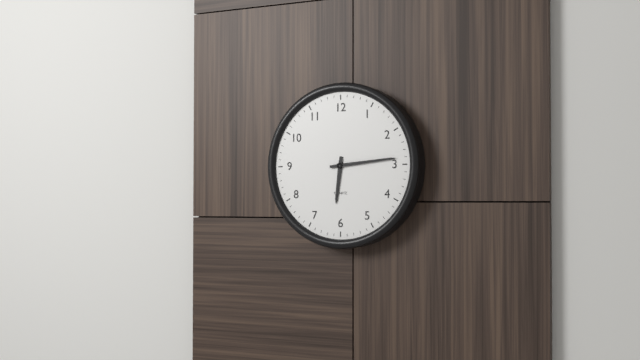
6 h 14 min
